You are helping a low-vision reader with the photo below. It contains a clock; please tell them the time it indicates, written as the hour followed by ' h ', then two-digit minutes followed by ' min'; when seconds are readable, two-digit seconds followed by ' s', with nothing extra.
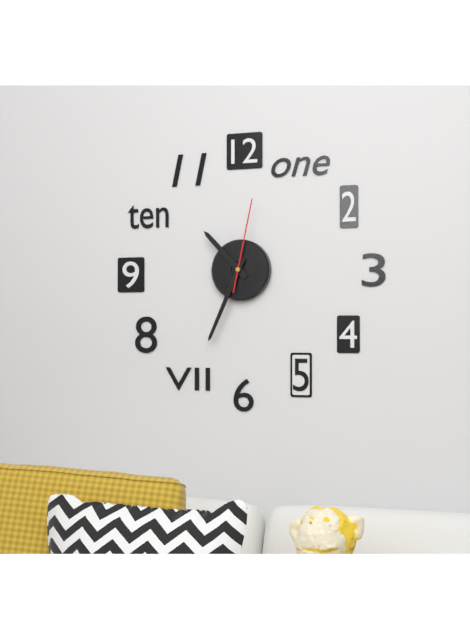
10 h 34 min 02 s
